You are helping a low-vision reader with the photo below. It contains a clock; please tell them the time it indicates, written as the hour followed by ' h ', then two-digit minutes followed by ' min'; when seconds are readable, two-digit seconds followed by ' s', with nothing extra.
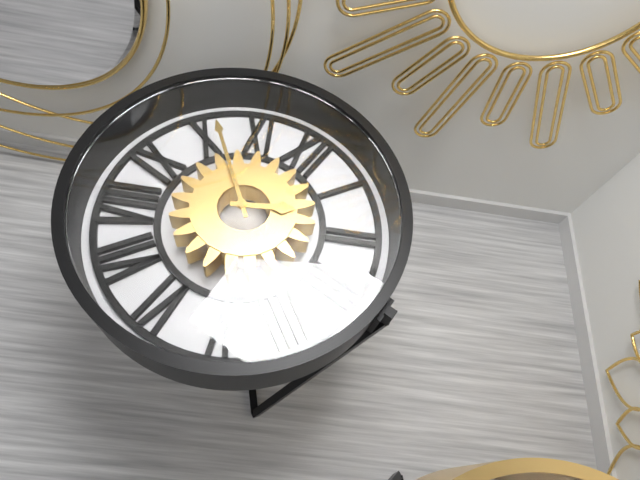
1 h 51 min
